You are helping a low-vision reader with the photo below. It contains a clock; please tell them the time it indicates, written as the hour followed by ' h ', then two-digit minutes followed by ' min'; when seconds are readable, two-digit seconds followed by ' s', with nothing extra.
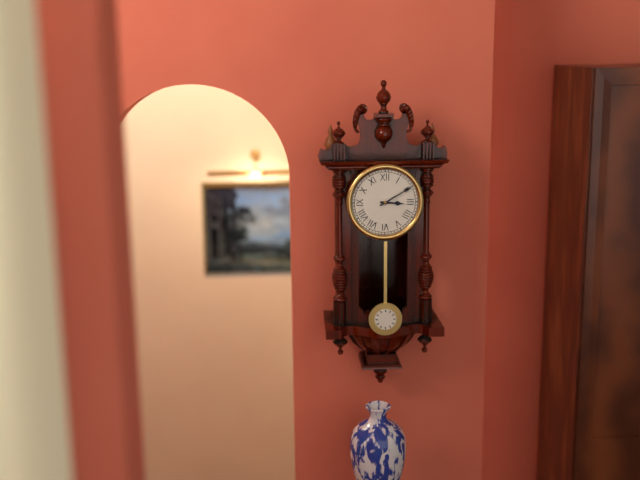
3 h 10 min
